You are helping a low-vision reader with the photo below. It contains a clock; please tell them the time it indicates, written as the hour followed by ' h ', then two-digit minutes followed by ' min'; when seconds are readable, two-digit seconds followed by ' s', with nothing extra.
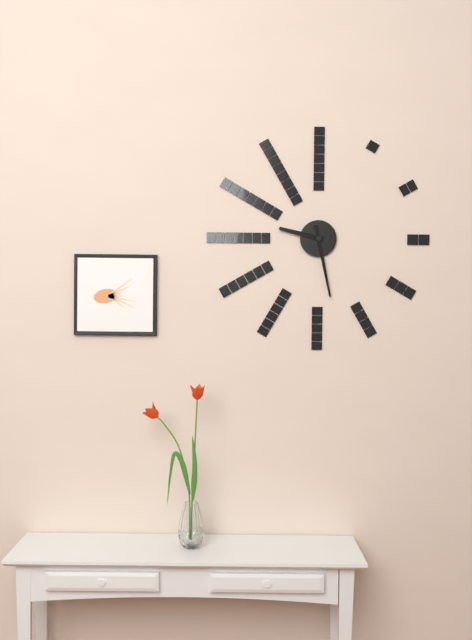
9 h 28 min
